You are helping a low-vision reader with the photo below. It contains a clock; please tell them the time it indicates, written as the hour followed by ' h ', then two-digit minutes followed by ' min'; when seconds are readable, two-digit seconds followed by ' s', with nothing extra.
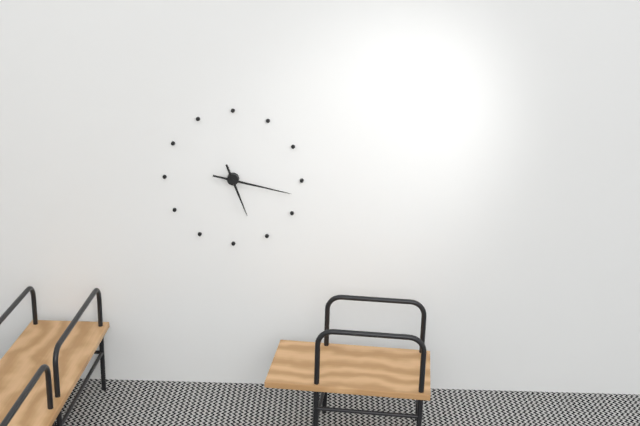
5 h 17 min
